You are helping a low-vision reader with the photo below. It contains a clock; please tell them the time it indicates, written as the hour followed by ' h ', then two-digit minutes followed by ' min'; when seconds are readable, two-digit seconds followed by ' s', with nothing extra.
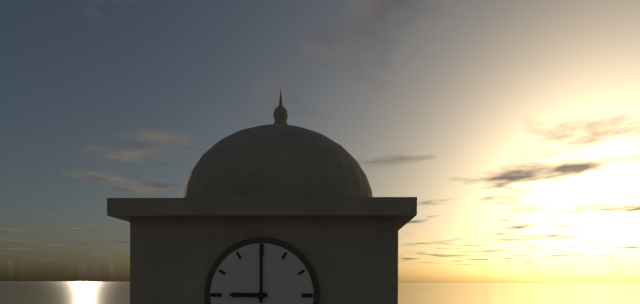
9 h 00 min
